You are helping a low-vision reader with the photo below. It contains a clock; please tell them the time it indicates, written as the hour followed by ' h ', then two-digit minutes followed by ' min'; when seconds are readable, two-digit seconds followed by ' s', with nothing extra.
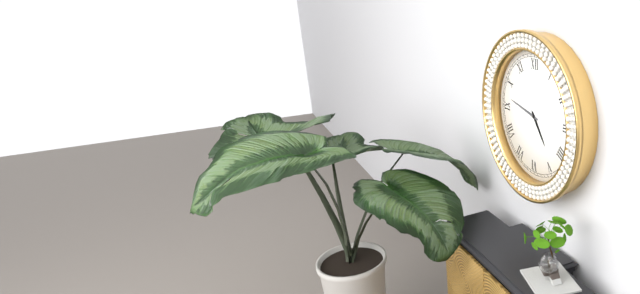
4 h 47 min
